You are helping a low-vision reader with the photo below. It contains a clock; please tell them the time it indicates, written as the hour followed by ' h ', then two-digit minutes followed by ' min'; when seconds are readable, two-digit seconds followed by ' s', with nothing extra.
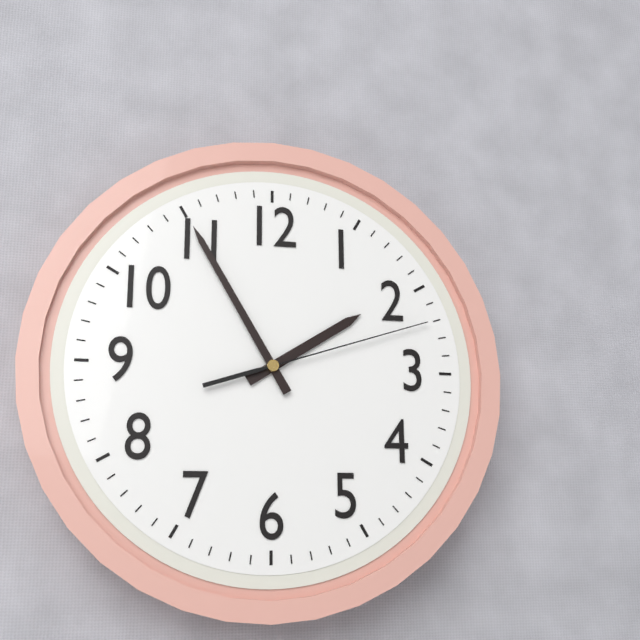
1 h 55 min 12 s
